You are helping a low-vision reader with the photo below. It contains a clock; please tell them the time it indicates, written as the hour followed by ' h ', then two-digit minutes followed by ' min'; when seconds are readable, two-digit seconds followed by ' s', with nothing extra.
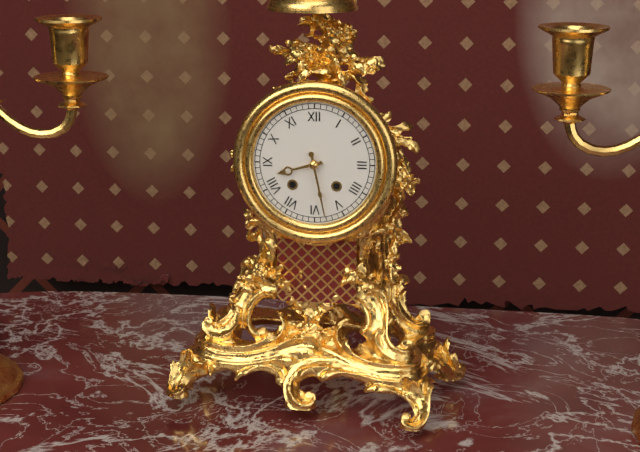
8 h 28 min
